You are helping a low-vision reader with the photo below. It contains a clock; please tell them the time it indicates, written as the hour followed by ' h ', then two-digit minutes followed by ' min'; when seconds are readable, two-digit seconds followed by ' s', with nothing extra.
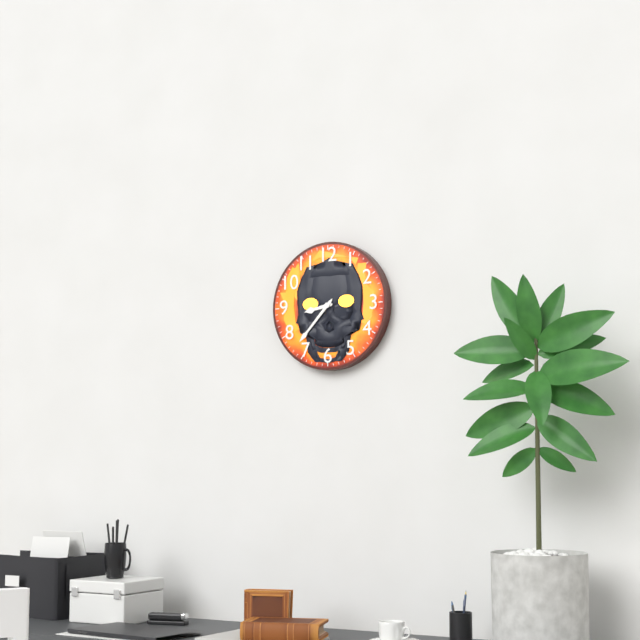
8 h 37 min
